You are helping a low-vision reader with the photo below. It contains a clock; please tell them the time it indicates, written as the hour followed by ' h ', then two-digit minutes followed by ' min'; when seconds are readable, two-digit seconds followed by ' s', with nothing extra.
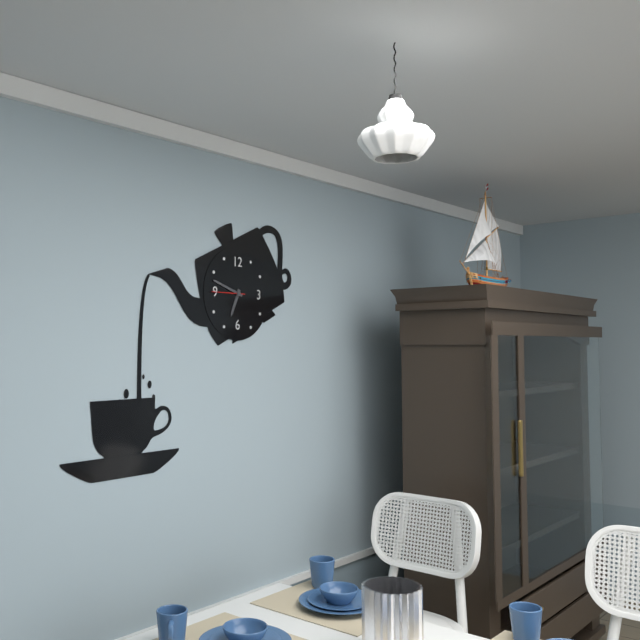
6 h 48 min
